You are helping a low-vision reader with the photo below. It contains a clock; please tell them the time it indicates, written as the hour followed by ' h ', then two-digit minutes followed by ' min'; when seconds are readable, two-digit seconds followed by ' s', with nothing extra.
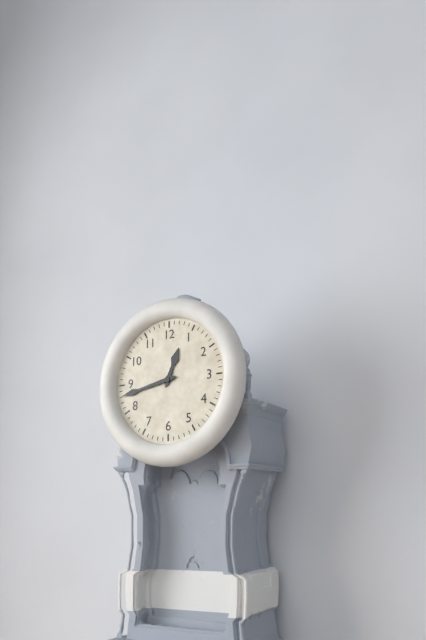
12 h 43 min
